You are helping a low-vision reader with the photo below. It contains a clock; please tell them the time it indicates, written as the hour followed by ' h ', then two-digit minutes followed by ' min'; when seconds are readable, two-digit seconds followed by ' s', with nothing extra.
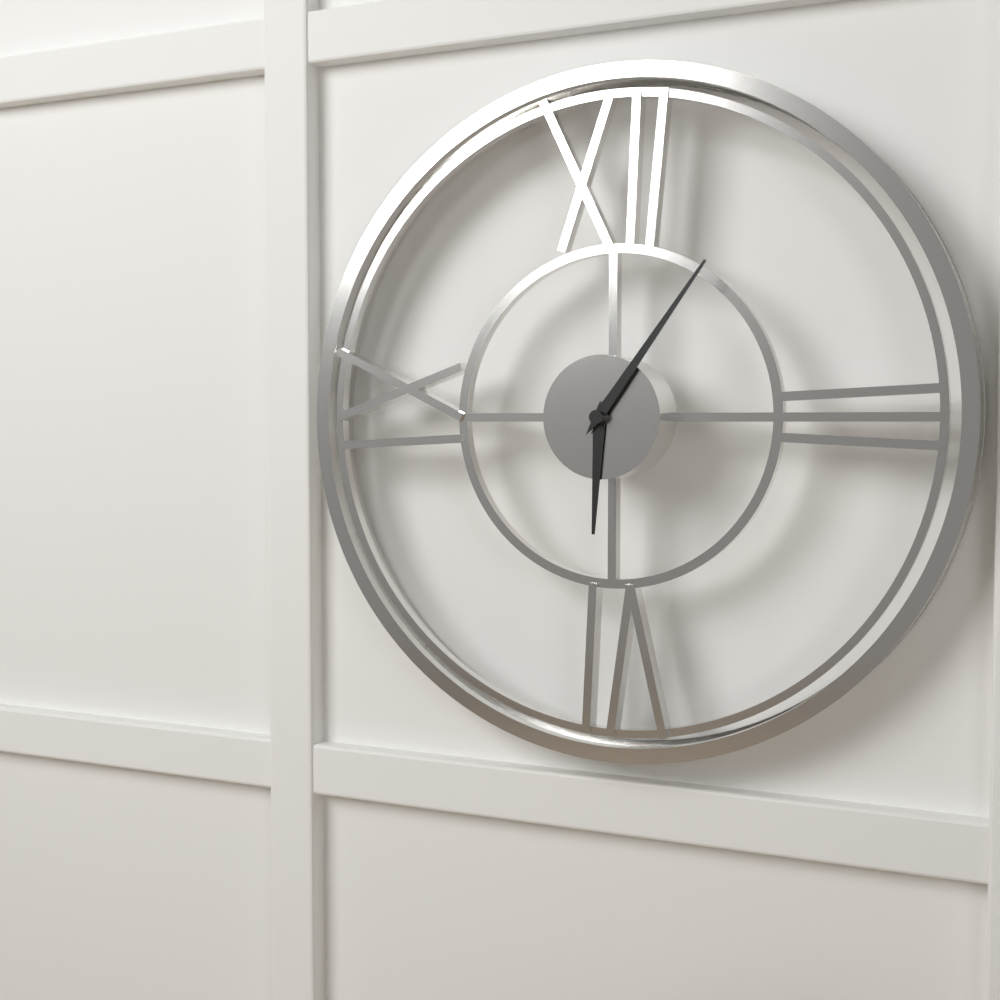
6 h 06 min
